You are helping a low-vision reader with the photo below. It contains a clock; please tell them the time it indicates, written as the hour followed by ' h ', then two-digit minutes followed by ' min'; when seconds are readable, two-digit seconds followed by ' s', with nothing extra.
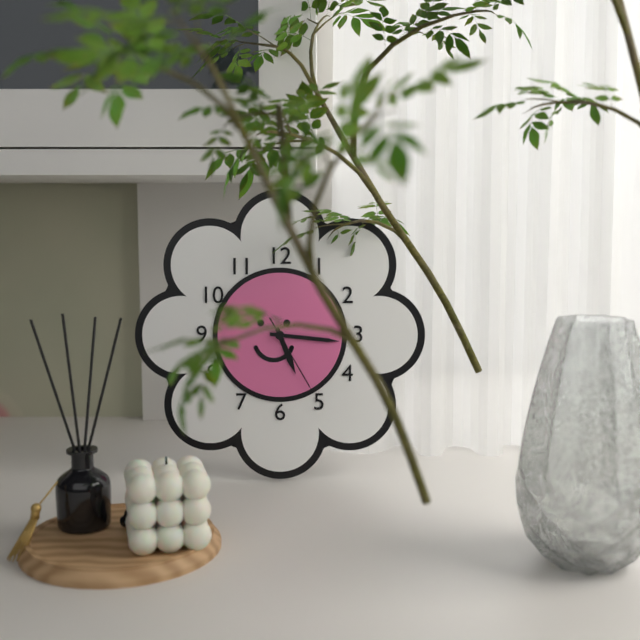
5 h 16 min 25 s
